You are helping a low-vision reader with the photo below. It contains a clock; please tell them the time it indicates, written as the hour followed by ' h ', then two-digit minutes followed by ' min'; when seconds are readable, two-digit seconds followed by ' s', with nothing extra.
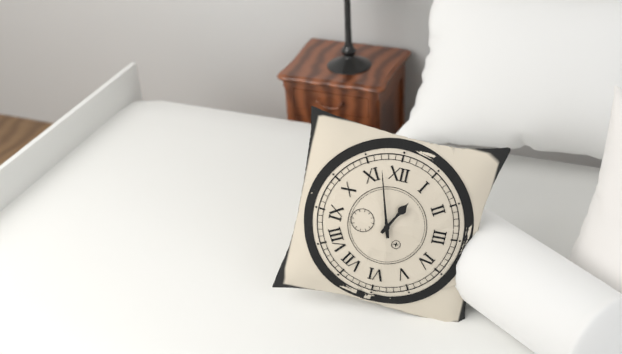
12 h 57 min
